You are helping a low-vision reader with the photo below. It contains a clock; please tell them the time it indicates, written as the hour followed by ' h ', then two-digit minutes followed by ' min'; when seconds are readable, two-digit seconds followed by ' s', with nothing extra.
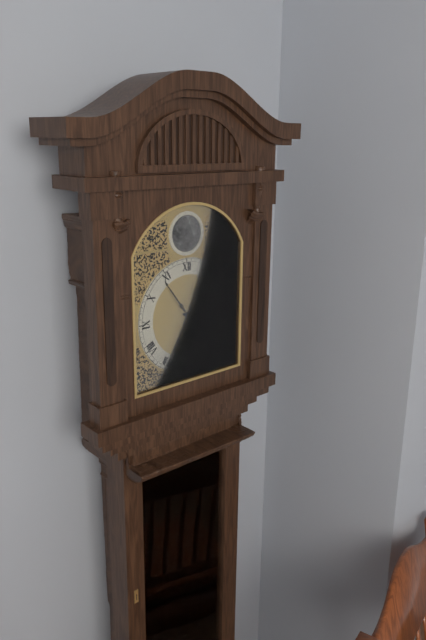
3 h 54 min
